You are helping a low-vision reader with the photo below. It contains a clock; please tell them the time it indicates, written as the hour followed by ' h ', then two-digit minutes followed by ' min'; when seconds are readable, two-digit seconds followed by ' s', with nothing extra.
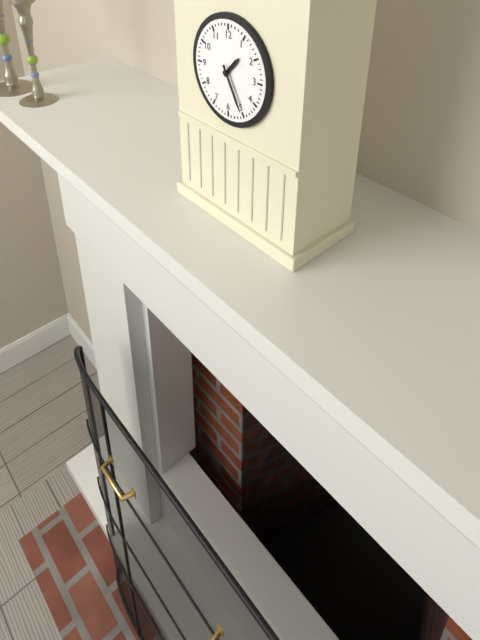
1 h 25 min
